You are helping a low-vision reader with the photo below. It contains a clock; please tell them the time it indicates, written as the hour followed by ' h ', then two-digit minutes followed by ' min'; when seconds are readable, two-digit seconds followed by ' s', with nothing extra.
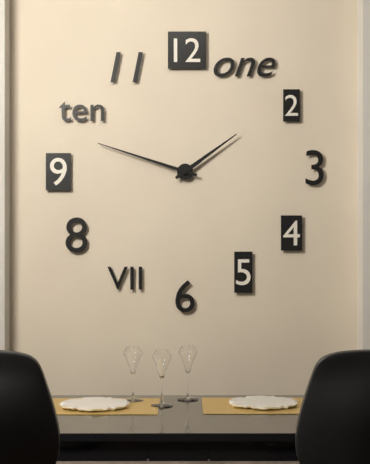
1 h 48 min
